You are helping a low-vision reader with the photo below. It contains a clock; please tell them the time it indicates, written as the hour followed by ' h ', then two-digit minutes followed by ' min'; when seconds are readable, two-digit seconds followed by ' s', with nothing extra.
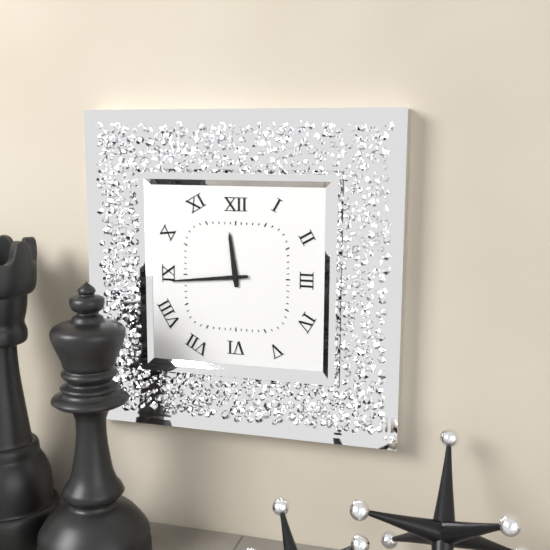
11 h 44 min
